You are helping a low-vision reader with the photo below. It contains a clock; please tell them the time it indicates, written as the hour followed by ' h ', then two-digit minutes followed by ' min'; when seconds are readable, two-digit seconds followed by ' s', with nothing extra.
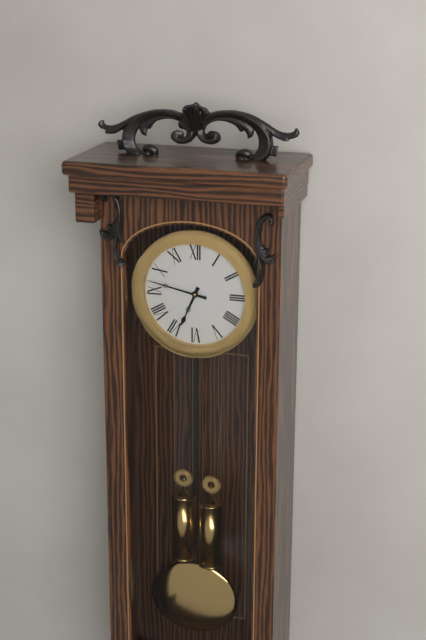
6 h 47 min
